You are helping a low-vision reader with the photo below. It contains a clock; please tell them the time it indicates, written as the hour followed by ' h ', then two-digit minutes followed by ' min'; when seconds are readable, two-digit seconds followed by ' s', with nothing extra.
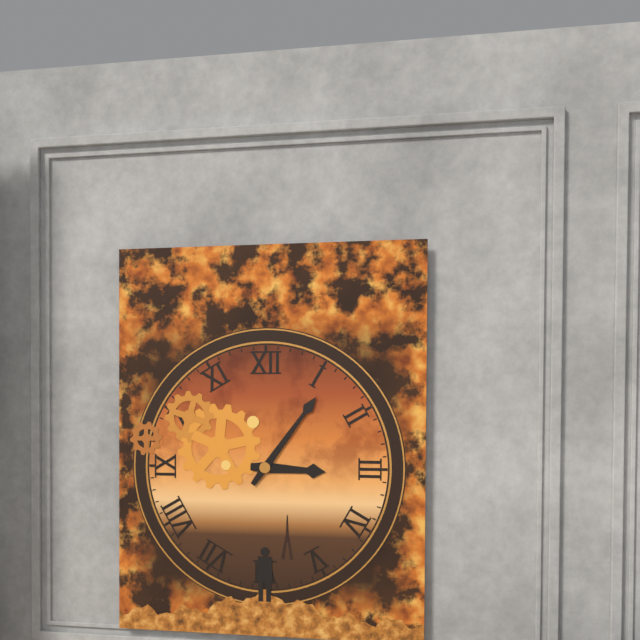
3 h 06 min
